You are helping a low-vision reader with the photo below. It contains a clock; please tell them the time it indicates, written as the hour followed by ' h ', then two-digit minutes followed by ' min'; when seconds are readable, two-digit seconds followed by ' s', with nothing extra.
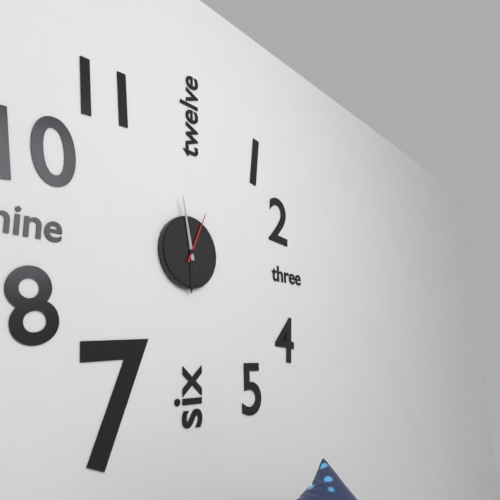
5 h 58 min 04 s
